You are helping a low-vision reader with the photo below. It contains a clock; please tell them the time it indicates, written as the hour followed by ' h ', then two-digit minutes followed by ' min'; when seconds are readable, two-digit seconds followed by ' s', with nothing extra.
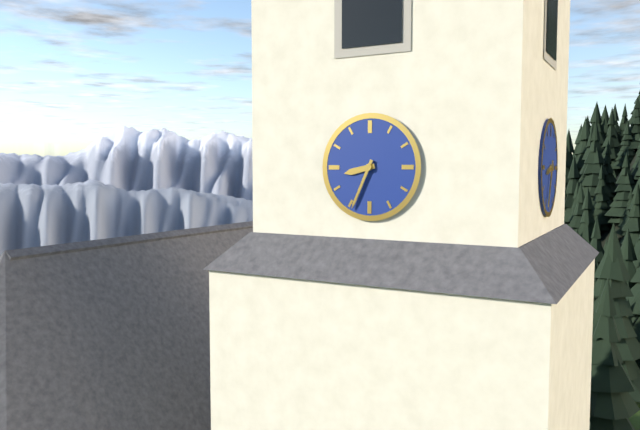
8 h 34 min
